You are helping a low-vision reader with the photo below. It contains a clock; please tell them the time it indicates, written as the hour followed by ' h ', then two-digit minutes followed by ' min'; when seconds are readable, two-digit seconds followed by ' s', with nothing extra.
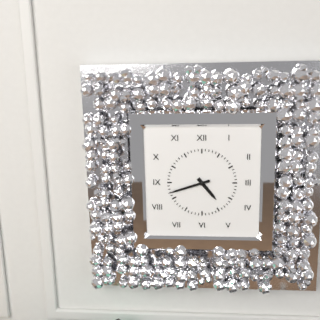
4 h 42 min
